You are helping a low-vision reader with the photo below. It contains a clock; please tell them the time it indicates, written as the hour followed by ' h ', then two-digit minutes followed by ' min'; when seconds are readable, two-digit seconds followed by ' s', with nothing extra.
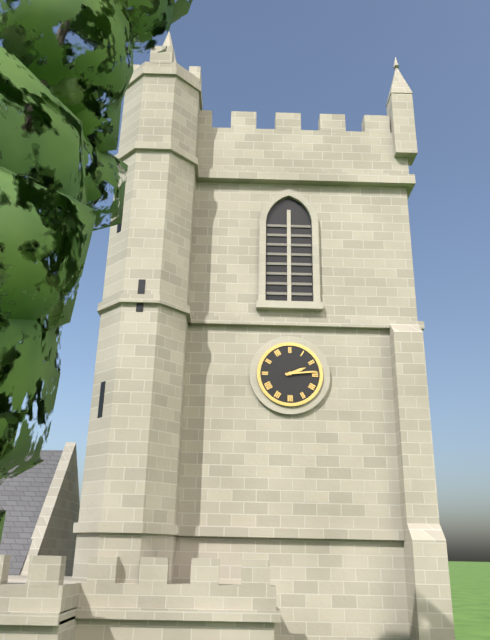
2 h 14 min
